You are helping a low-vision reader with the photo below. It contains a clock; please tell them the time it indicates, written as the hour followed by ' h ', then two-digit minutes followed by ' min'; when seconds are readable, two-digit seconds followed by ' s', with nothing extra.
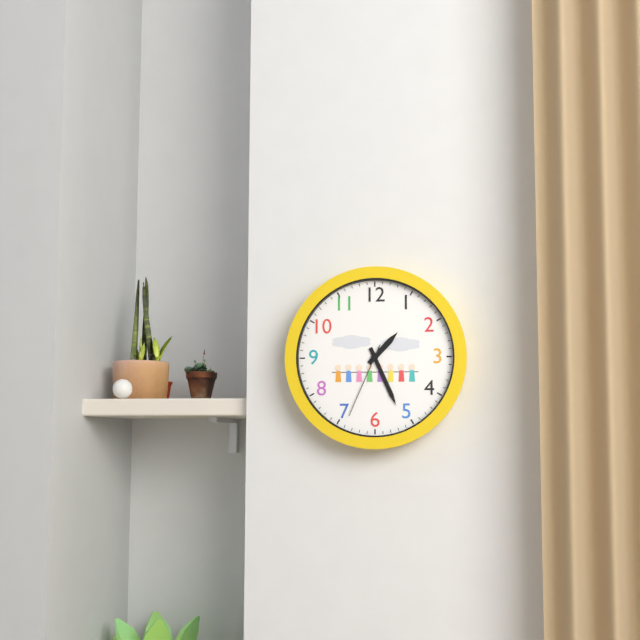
1 h 26 min 34 s
